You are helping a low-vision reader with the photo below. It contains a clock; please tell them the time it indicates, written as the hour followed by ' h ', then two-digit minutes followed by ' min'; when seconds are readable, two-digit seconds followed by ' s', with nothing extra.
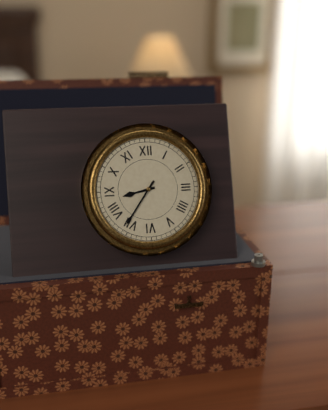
8 h 36 min
